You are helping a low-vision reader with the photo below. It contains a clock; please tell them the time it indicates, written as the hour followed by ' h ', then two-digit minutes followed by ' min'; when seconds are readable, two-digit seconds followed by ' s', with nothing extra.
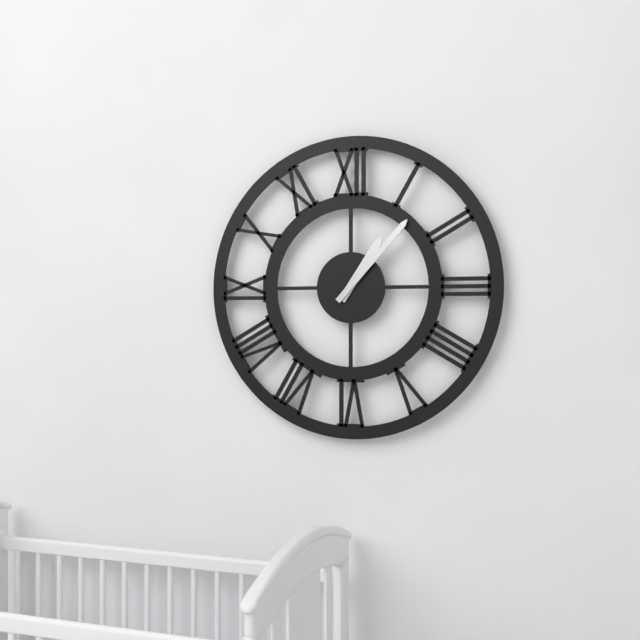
1 h 07 min
